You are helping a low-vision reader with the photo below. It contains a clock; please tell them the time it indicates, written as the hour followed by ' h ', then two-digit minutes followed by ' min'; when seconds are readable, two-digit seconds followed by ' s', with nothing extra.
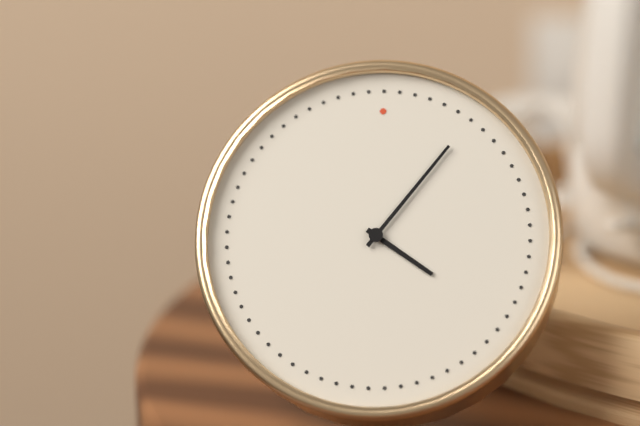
4 h 06 min
